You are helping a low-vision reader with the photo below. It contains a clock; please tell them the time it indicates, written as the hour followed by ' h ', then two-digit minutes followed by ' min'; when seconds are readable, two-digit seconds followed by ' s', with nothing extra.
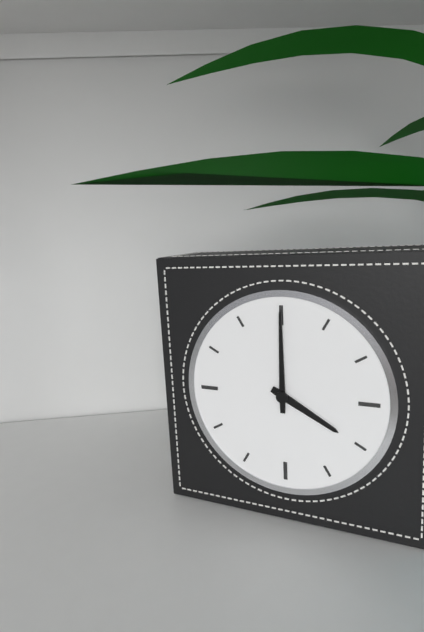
4 h 00 min
